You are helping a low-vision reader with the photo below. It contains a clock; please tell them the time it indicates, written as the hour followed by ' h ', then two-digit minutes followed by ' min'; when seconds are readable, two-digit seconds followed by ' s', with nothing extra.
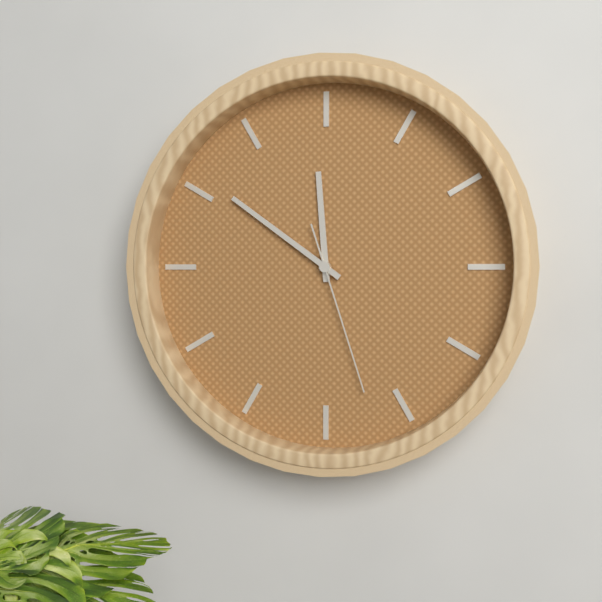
11 h 51 min 27 s
